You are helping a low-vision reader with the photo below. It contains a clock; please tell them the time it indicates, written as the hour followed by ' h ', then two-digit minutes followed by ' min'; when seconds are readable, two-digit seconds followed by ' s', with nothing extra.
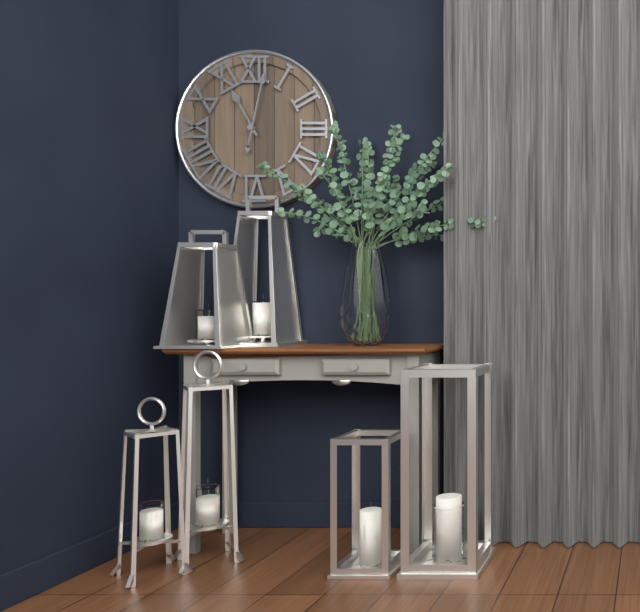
11 h 02 min
